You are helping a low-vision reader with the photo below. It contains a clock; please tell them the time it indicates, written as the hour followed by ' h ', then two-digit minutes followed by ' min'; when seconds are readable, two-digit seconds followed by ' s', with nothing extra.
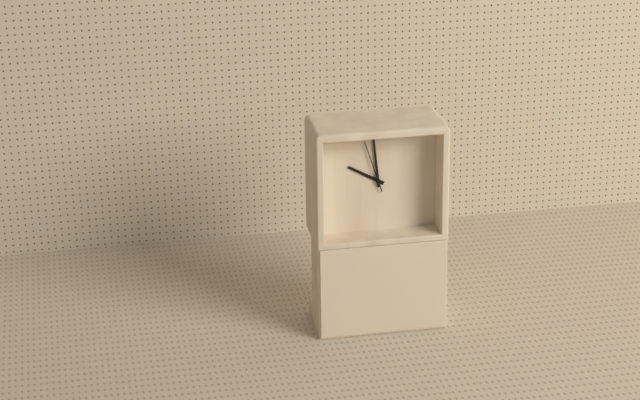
9 h 59 min 57 s
